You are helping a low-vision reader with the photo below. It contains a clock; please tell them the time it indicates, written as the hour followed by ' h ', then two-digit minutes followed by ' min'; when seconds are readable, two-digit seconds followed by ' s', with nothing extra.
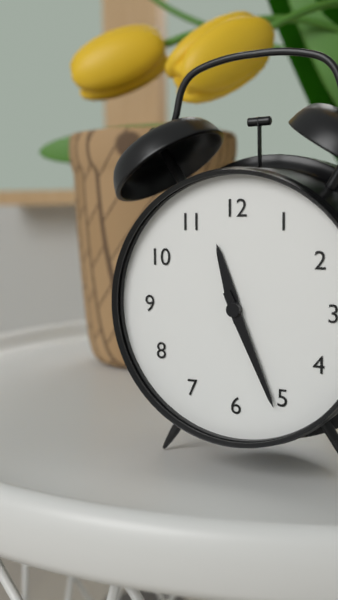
11 h 26 min
